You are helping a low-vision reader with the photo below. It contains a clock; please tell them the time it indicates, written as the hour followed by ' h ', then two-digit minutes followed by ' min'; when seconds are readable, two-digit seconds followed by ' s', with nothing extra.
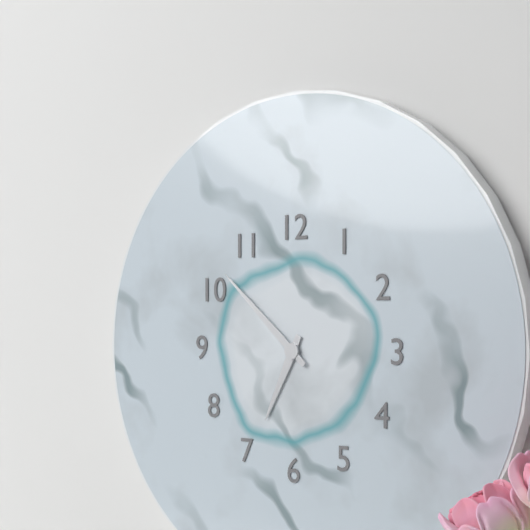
6 h 52 min
